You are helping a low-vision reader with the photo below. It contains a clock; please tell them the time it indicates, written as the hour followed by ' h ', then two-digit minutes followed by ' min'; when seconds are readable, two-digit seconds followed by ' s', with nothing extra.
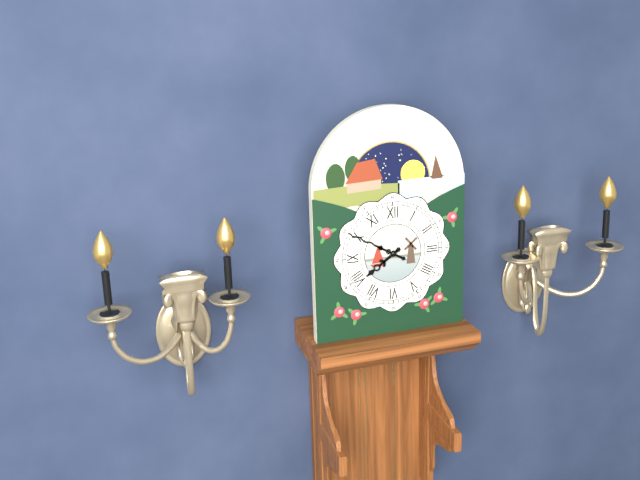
7 h 50 min
